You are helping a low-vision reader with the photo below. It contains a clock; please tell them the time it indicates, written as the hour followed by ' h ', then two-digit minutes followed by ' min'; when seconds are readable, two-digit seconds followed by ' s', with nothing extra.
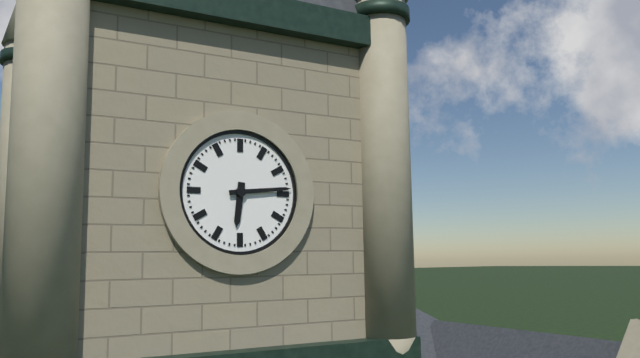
6 h 14 min
